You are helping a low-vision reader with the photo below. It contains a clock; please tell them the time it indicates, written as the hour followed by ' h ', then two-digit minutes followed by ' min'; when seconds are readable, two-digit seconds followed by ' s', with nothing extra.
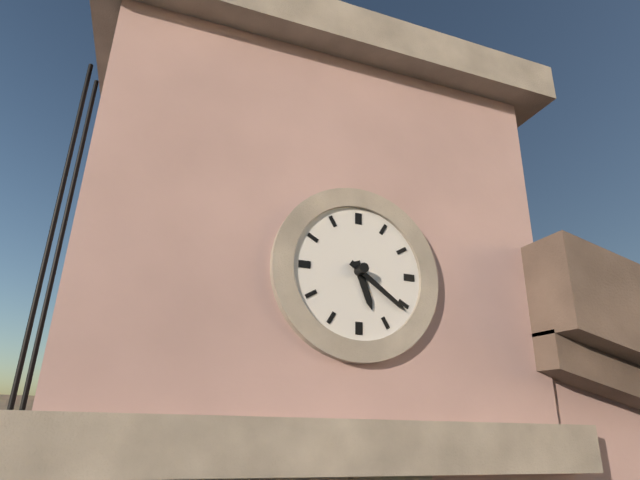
5 h 21 min
